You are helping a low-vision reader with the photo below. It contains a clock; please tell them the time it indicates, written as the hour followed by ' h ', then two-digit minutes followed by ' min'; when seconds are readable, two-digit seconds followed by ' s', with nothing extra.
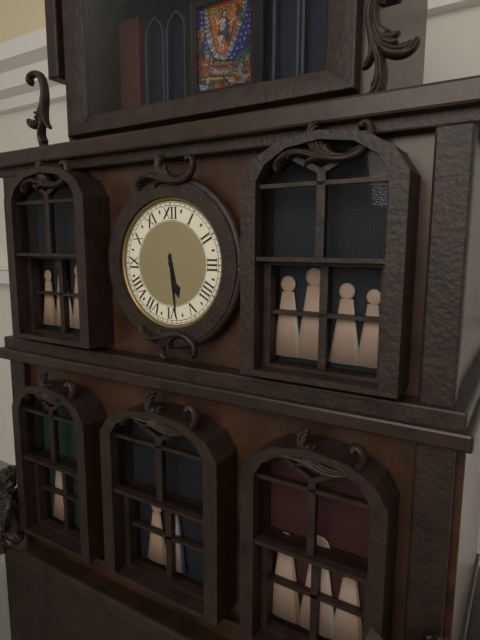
5 h 29 min
